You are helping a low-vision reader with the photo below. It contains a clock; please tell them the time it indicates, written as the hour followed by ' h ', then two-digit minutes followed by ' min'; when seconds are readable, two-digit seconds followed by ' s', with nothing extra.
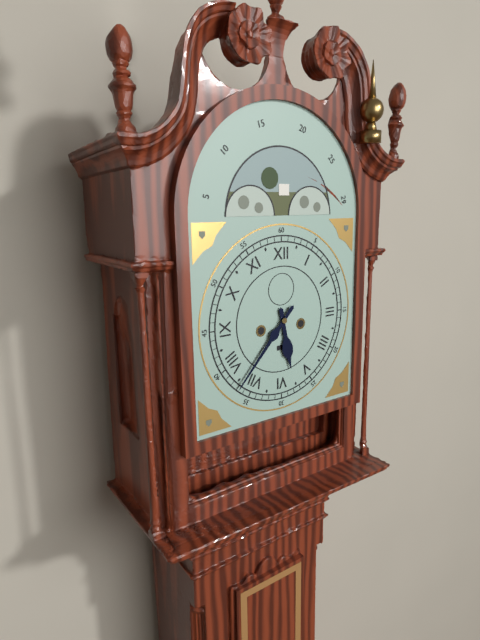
5 h 37 min
